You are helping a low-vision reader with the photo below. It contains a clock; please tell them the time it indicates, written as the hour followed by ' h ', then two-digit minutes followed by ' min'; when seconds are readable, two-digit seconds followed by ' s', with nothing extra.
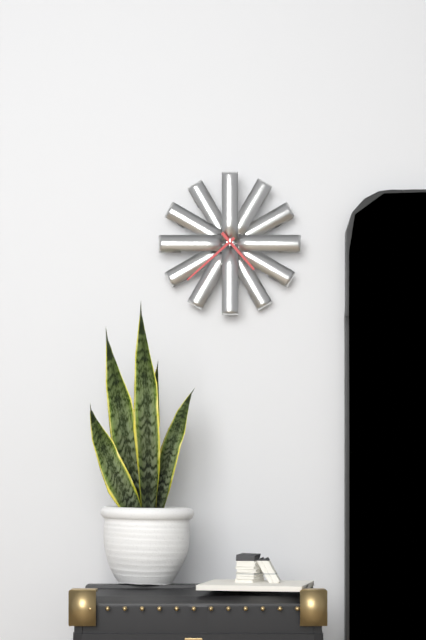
4 h 38 min
